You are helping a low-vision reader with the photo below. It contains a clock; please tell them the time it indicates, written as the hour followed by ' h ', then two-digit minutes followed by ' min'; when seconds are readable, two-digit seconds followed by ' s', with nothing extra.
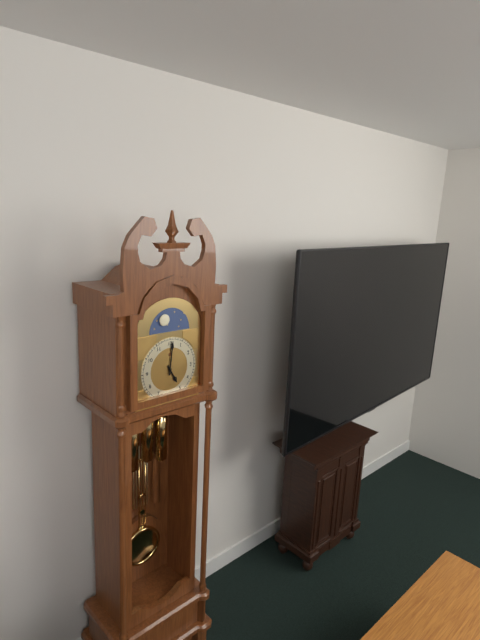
5 h 01 min
